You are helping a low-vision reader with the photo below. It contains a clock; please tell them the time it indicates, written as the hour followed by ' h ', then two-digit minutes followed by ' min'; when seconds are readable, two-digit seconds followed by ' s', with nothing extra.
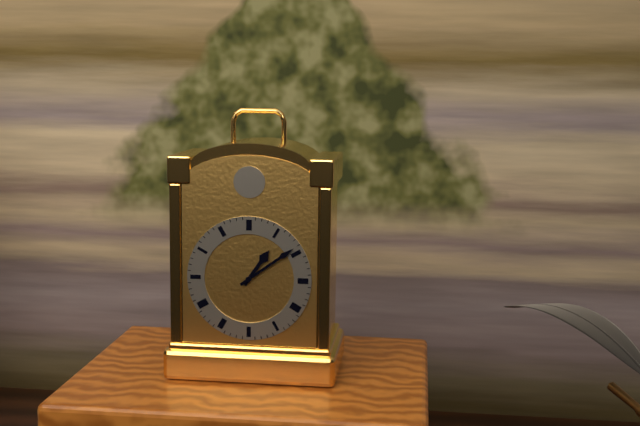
1 h 09 min
